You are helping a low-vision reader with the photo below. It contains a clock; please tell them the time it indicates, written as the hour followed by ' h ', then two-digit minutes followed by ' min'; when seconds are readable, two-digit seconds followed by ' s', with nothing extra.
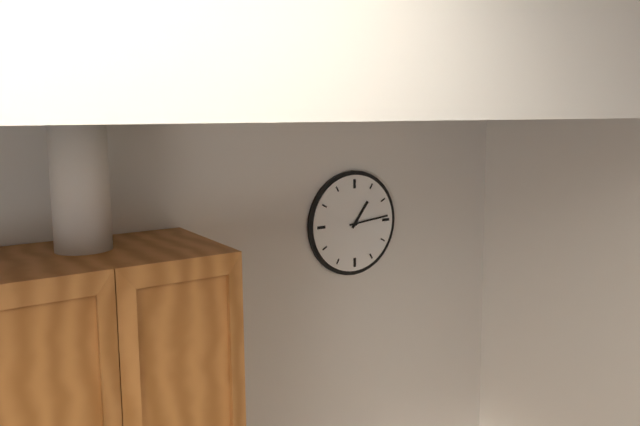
1 h 14 min
